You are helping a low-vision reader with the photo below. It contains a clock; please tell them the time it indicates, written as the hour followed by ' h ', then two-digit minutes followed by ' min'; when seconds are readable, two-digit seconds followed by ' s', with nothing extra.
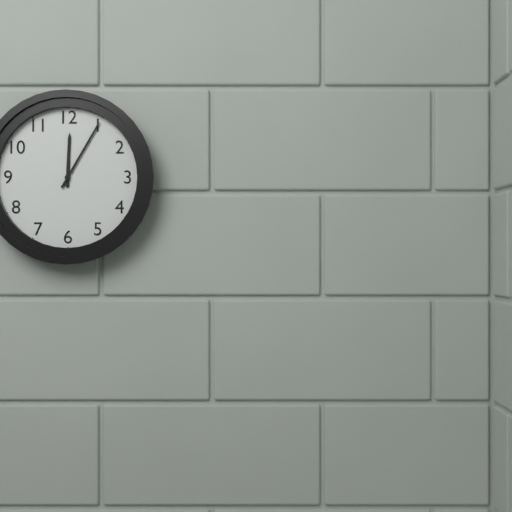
12 h 05 min
